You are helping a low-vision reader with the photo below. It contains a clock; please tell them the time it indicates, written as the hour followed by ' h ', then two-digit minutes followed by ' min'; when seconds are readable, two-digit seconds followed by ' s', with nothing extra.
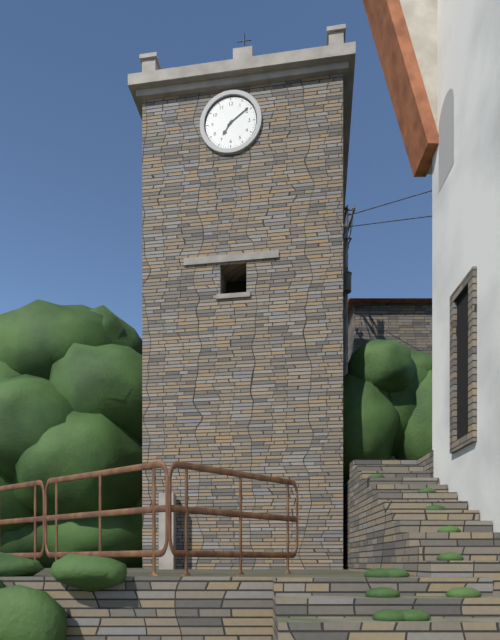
7 h 09 min
